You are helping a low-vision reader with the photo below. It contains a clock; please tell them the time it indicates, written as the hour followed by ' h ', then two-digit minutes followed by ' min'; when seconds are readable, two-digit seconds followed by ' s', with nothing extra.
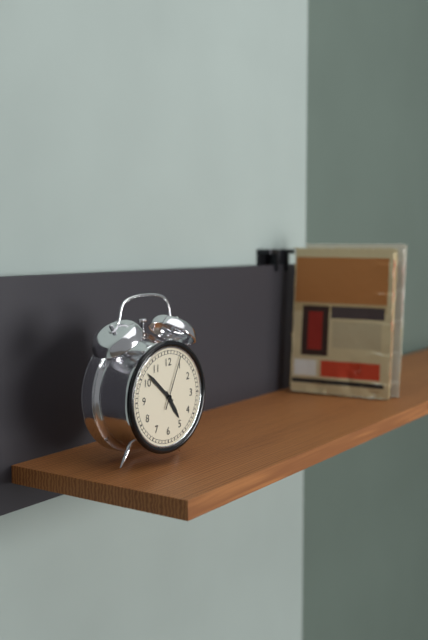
4 h 52 min 04 s
